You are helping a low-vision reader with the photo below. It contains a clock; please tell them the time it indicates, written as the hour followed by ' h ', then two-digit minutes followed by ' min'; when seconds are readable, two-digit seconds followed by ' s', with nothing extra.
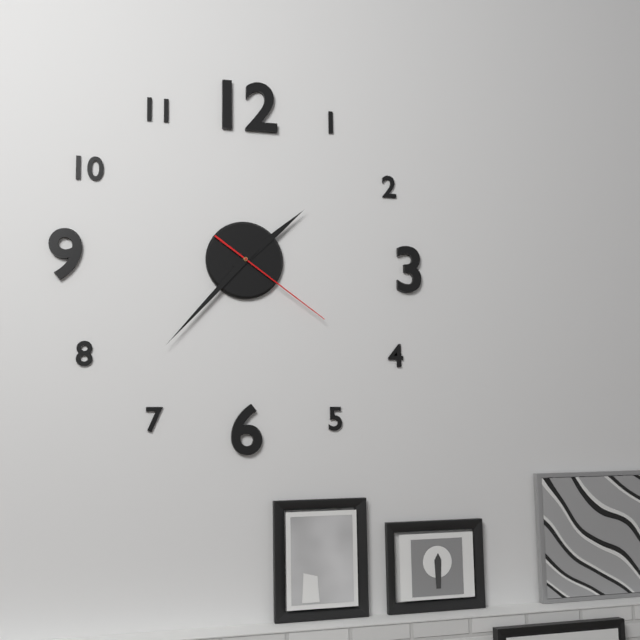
1 h 37 min 21 s
